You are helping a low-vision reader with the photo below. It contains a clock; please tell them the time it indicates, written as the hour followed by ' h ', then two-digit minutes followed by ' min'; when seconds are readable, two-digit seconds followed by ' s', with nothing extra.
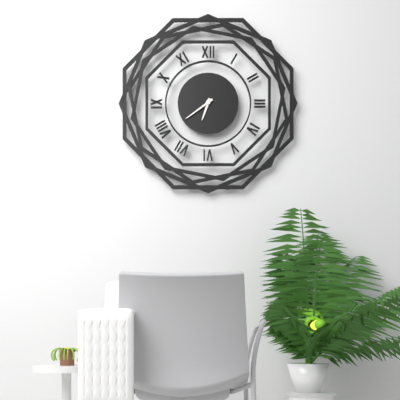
6 h 39 min
